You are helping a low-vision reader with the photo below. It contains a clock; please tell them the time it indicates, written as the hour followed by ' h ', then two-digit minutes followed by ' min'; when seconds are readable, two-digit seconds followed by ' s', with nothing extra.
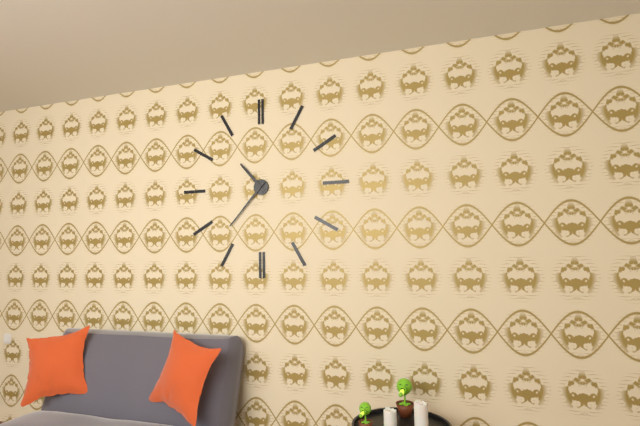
10 h 37 min
